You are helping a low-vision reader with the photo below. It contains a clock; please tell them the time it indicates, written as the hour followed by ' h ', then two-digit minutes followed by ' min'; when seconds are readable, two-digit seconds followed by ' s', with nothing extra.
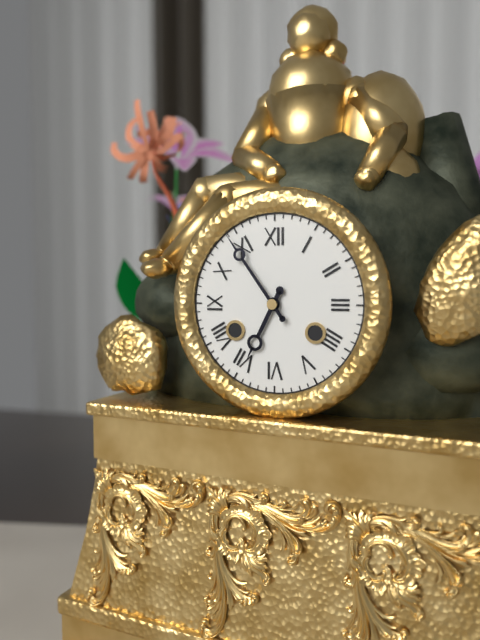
6 h 54 min
